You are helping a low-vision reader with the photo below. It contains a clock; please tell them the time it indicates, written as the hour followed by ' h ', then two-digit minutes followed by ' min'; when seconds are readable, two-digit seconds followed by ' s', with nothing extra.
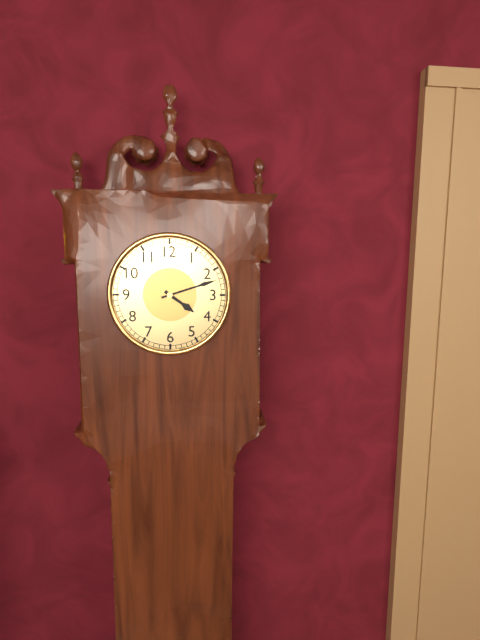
4 h 12 min
